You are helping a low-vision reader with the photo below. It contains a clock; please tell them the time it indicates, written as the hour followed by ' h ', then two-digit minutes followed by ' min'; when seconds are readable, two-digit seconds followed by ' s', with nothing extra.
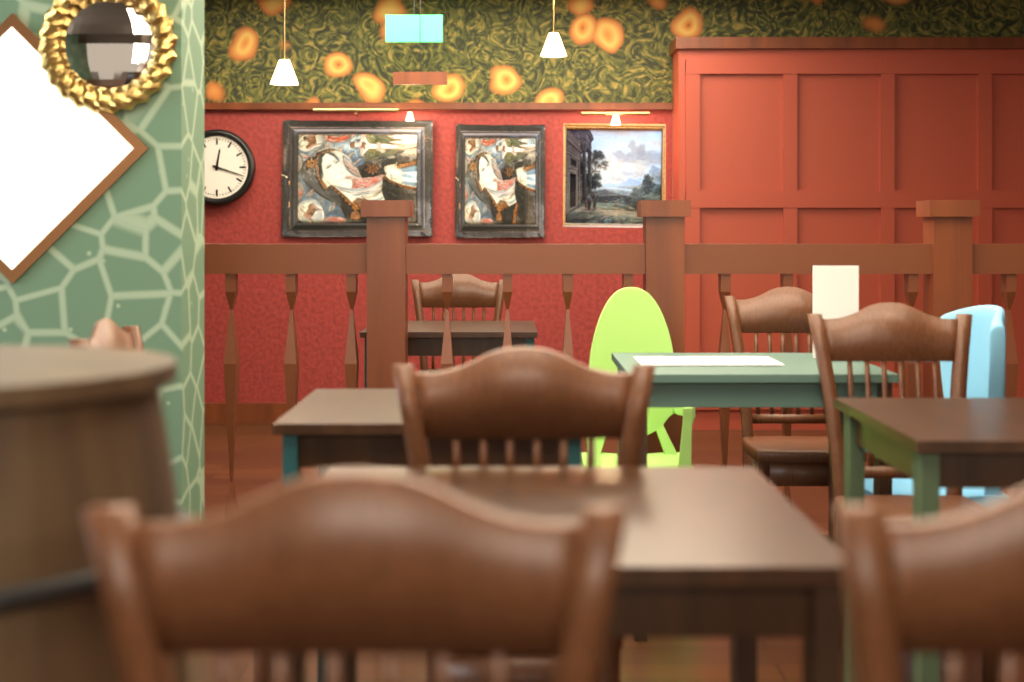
12 h 18 min
